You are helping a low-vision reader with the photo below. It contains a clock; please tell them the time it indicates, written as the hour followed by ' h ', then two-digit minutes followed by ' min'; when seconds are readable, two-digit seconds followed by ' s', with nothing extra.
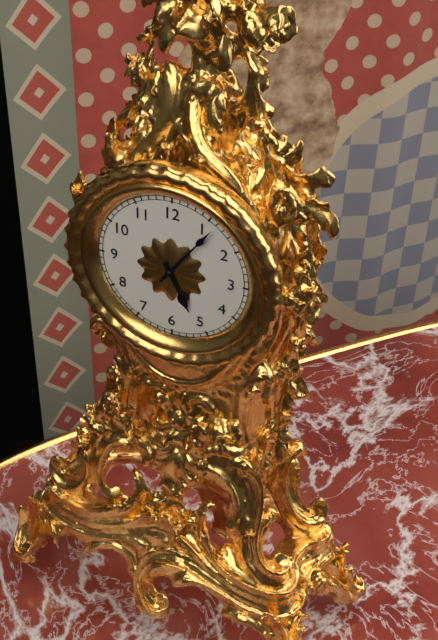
5 h 06 min
